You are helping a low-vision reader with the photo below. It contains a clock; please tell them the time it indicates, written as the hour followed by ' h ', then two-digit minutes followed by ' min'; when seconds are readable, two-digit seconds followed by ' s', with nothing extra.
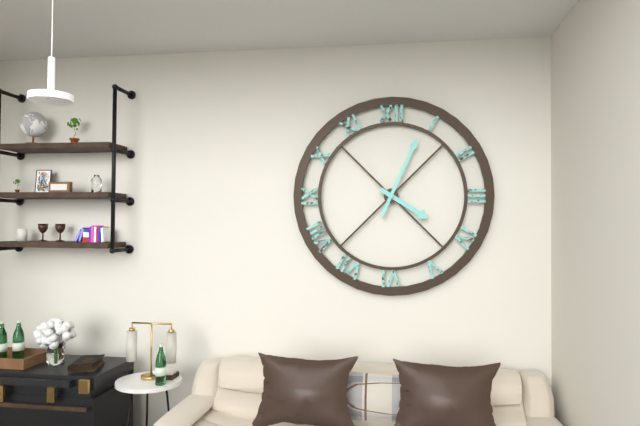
4 h 04 min
